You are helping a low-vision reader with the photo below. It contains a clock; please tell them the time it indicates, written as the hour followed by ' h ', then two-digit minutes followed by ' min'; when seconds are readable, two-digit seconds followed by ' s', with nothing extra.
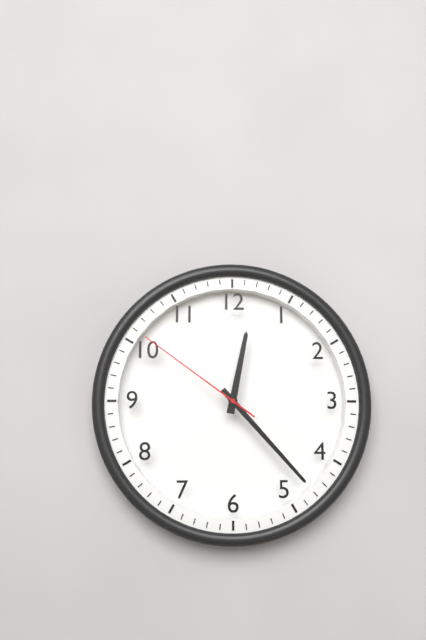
12 h 23 min 51 s
